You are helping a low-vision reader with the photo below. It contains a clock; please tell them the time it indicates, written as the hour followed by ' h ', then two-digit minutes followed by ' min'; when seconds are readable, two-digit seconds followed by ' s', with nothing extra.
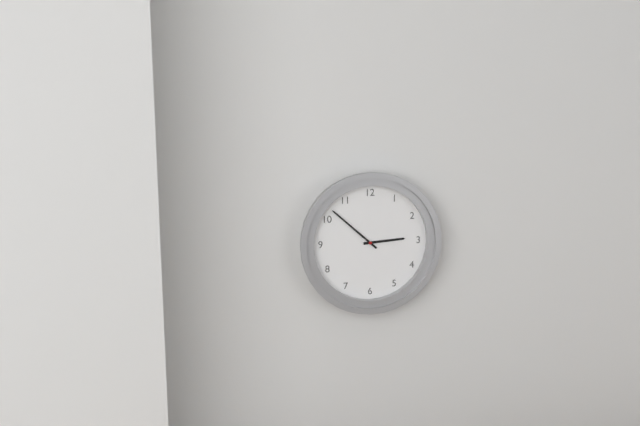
2 h 52 min
